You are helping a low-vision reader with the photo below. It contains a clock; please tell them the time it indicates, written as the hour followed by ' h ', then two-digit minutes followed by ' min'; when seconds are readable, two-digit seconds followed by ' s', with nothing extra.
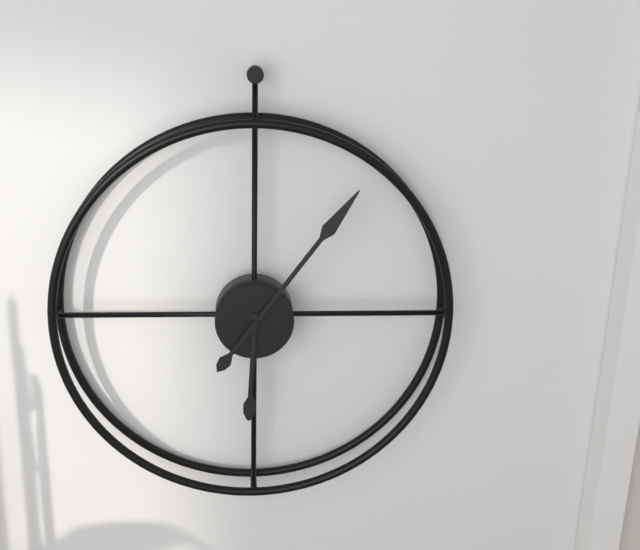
6 h 06 min
